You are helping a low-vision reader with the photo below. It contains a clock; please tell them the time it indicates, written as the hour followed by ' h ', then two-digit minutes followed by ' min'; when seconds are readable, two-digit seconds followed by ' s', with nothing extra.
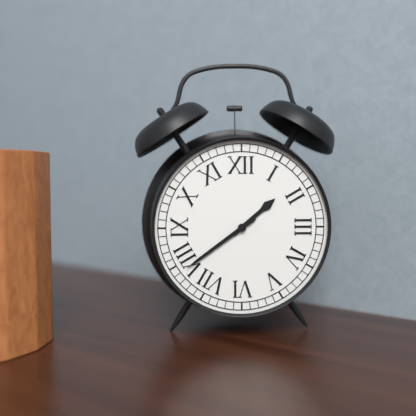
1 h 39 min
